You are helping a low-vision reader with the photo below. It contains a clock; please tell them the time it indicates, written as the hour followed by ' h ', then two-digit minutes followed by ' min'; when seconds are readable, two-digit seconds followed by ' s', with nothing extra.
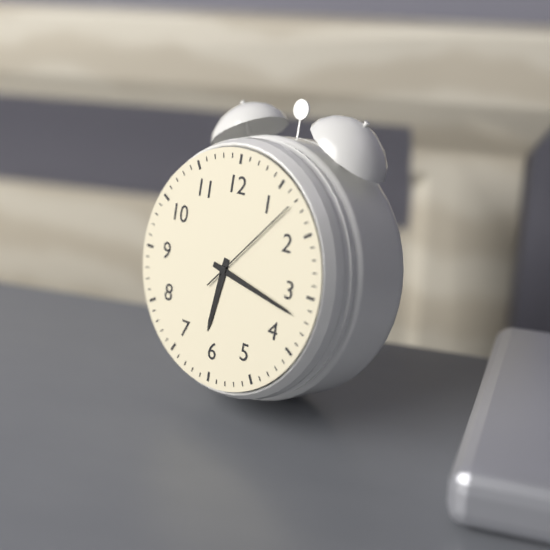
6 h 17 min 07 s
